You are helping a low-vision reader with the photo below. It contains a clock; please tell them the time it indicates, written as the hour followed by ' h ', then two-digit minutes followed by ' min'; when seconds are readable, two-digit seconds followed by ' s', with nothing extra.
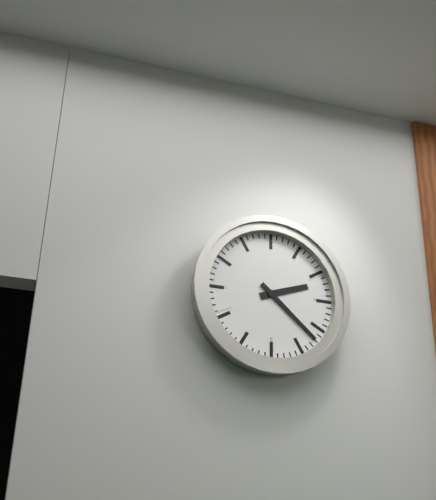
2 h 22 min
